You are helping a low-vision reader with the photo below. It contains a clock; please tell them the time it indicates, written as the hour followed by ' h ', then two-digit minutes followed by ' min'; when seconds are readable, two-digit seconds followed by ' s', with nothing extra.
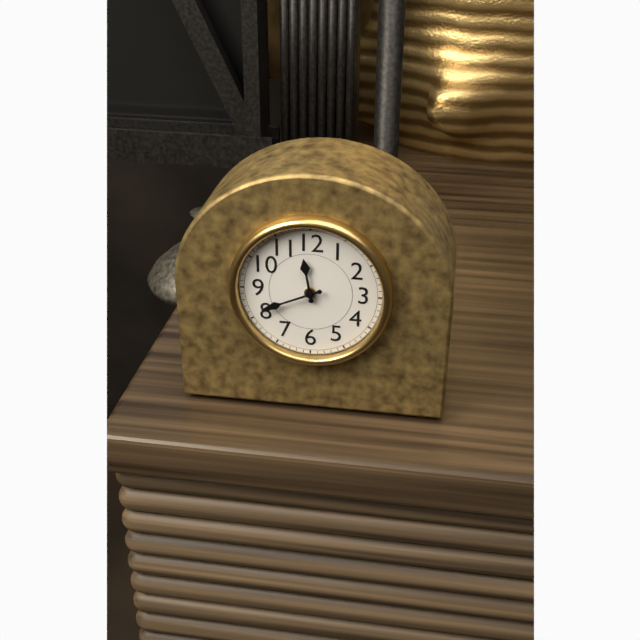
11 h 41 min
